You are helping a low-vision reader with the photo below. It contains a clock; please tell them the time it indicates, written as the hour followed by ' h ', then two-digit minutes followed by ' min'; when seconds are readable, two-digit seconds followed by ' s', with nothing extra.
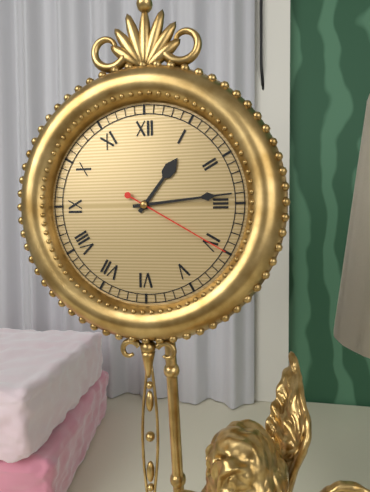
1 h 14 min 20 s
